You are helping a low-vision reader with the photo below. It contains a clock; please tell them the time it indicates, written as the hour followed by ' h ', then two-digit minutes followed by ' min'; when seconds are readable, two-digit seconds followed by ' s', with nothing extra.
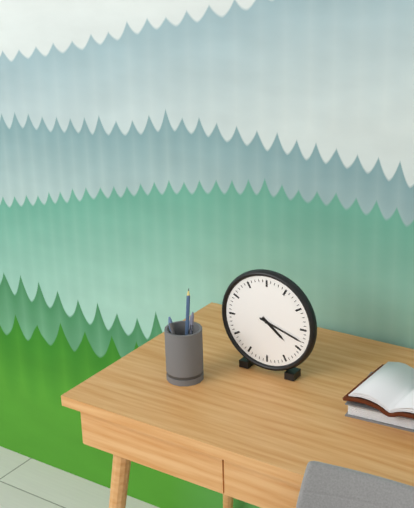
4 h 18 min
